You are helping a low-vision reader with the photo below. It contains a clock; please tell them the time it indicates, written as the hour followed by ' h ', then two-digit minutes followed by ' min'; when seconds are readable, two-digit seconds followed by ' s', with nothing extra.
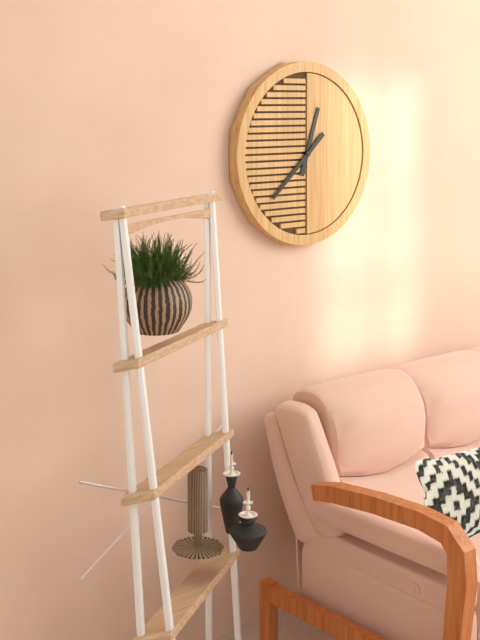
12 h 38 min
